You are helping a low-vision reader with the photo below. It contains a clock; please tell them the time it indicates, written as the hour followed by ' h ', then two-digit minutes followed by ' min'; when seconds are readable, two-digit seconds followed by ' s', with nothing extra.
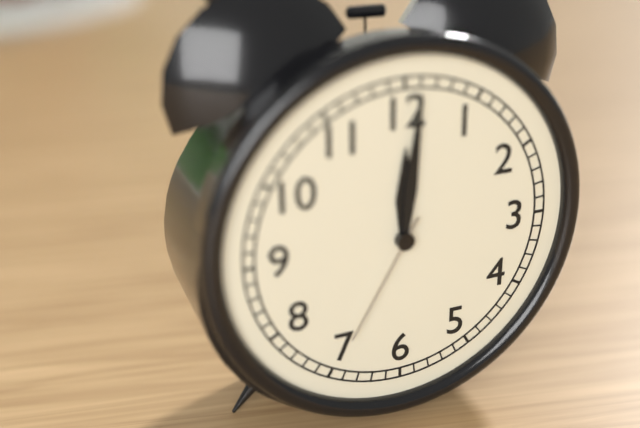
12 h 01 min 35 s
